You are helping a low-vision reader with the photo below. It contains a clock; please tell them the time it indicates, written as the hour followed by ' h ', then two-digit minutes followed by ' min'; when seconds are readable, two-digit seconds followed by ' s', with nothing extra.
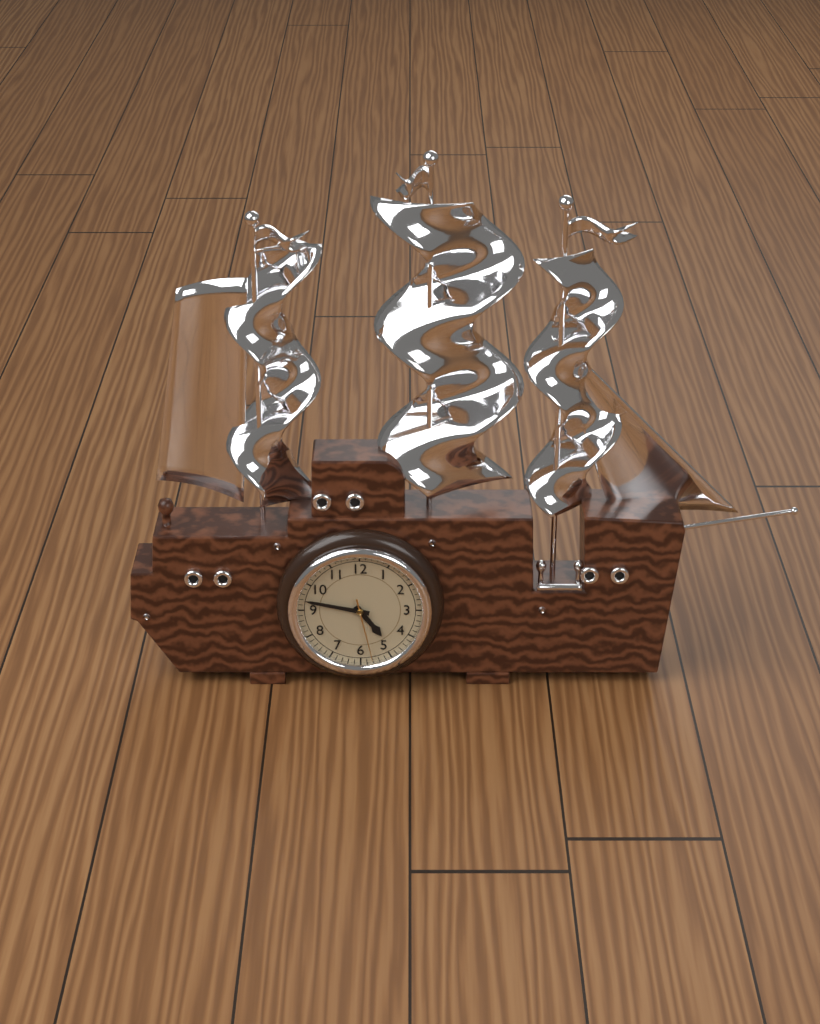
4 h 47 min 28 s
